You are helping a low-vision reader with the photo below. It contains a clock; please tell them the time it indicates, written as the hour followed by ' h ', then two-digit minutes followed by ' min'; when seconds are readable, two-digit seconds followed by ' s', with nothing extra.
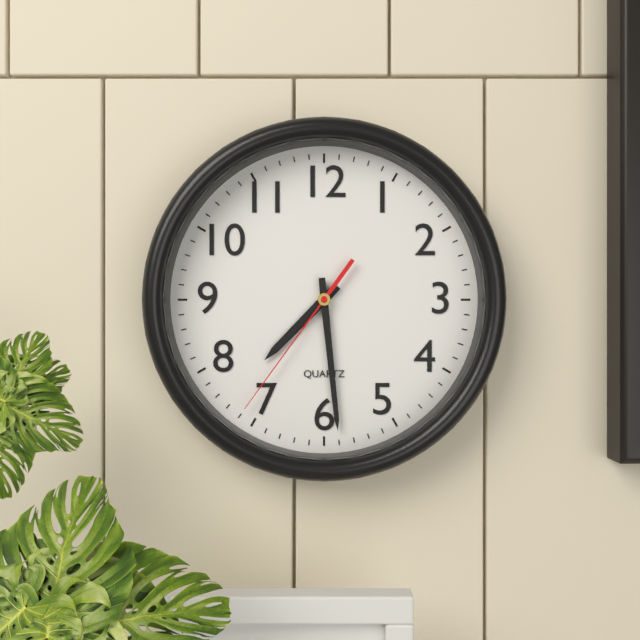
7 h 29 min 36 s
